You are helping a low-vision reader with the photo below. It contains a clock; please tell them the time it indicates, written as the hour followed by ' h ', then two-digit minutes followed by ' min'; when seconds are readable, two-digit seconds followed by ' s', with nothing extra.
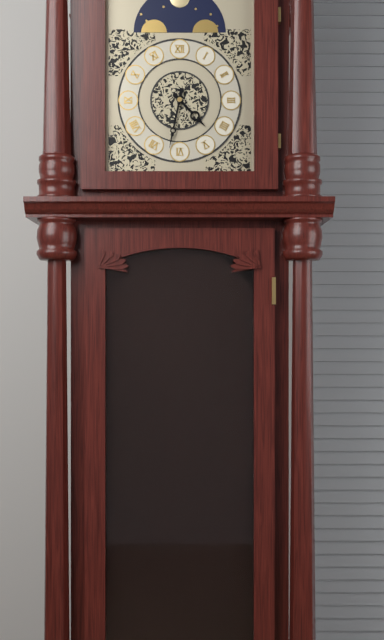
4 h 32 min
